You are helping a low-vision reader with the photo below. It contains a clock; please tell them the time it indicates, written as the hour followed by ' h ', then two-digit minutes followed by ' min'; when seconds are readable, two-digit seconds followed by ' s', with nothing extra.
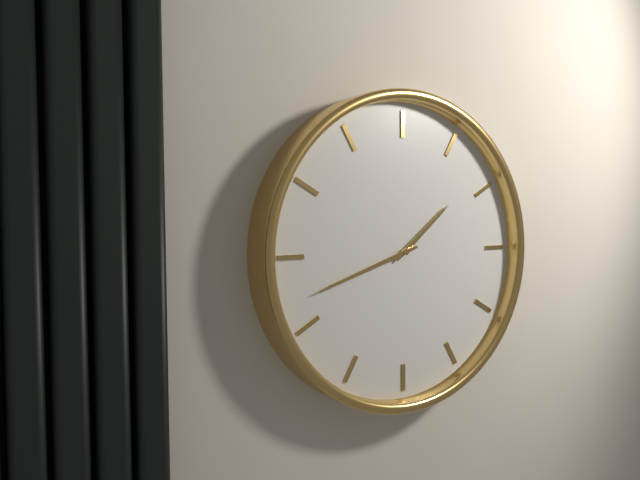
1 h 42 min
